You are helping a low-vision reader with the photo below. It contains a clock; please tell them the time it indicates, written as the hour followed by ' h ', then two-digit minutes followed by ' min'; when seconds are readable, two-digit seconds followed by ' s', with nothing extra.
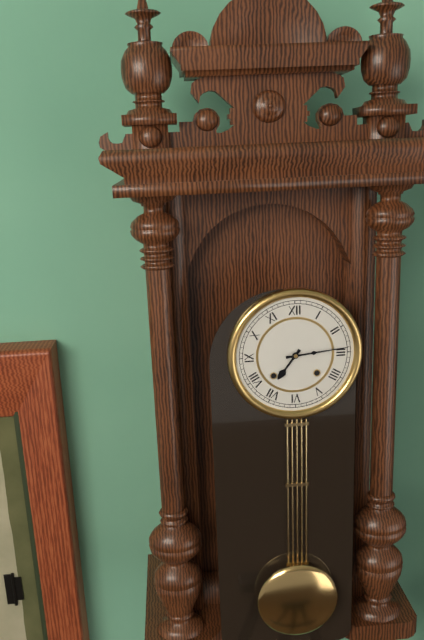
7 h 14 min
